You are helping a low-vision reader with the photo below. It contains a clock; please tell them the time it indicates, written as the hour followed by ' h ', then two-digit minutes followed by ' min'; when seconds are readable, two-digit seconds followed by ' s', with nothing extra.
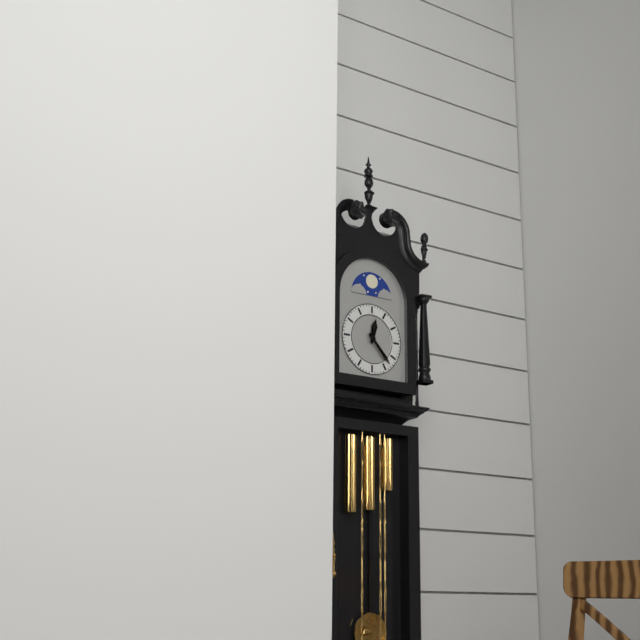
12 h 23 min
